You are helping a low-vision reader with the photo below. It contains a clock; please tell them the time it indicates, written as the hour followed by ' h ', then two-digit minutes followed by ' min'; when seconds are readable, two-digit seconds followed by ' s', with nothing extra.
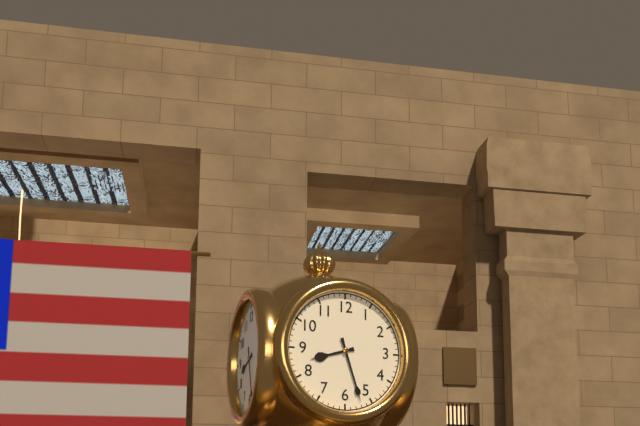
8 h 27 min
